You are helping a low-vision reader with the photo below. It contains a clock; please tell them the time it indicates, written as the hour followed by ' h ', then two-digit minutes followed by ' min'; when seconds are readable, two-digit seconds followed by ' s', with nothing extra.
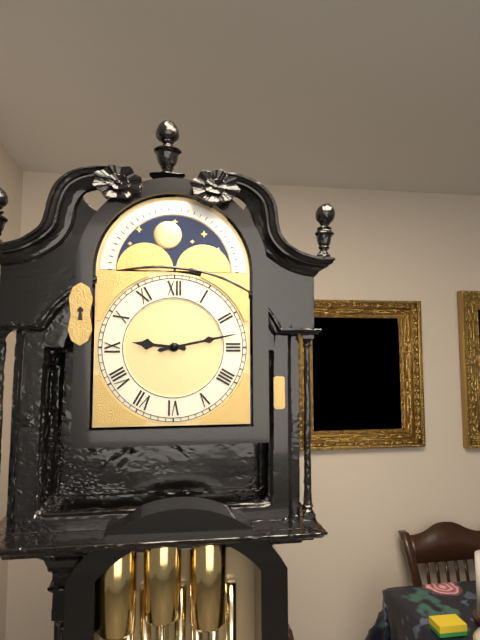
9 h 13 min
